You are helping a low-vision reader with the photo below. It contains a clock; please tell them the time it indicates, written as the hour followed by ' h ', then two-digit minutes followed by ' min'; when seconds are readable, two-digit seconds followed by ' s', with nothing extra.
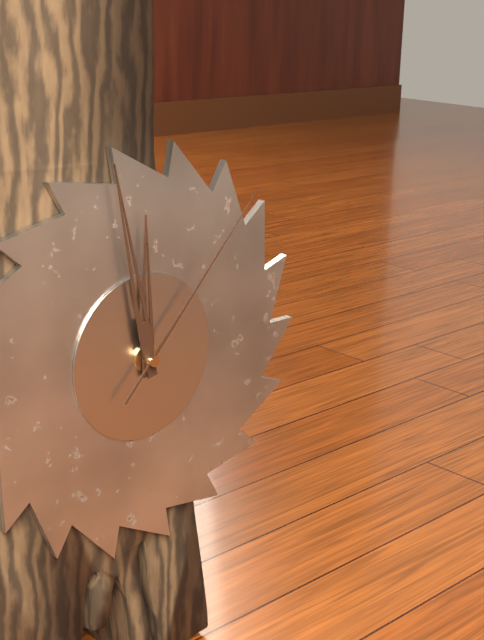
11 h 58 min 07 s
